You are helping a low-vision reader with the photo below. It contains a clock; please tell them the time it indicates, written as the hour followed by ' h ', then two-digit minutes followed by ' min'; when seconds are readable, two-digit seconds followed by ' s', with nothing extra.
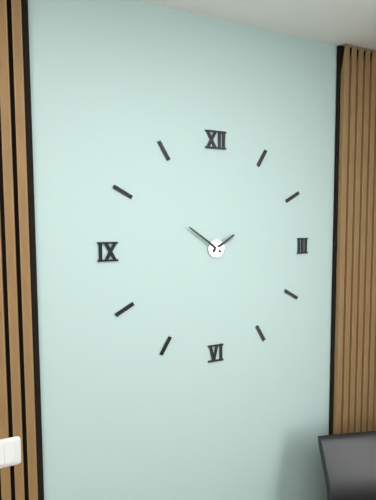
1 h 51 min
